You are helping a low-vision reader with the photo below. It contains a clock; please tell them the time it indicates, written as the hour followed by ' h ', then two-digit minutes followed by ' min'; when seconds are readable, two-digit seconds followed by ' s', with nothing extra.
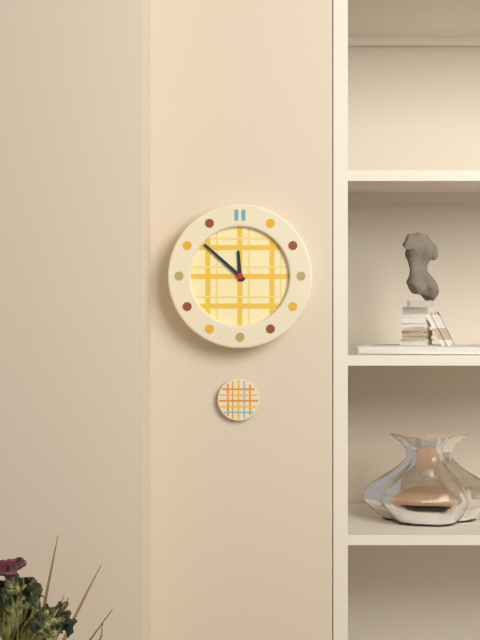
11 h 52 min
